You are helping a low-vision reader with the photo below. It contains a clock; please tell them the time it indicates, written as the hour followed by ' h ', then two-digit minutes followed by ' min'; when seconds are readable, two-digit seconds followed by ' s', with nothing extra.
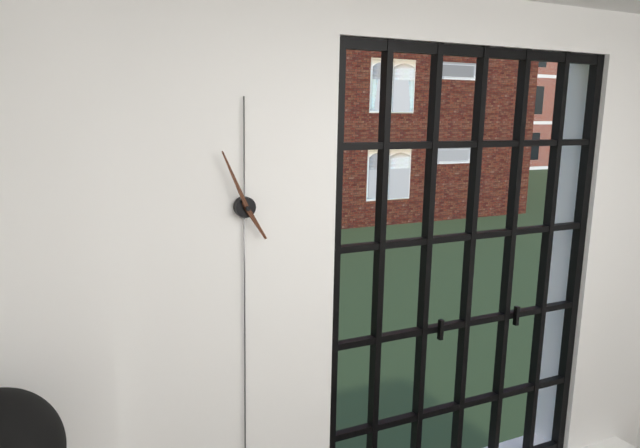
4 h 56 min
